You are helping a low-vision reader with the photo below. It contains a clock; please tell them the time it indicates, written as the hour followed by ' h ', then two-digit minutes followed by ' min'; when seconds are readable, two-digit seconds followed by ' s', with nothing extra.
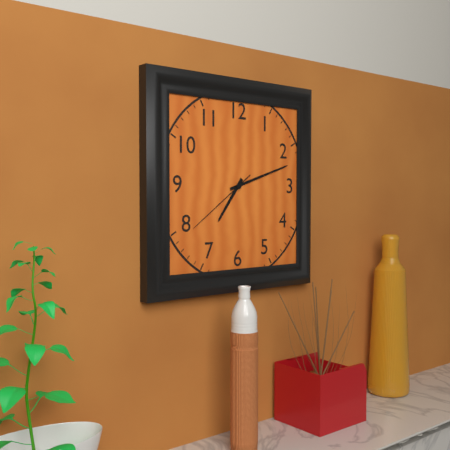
7 h 12 min 39 s
